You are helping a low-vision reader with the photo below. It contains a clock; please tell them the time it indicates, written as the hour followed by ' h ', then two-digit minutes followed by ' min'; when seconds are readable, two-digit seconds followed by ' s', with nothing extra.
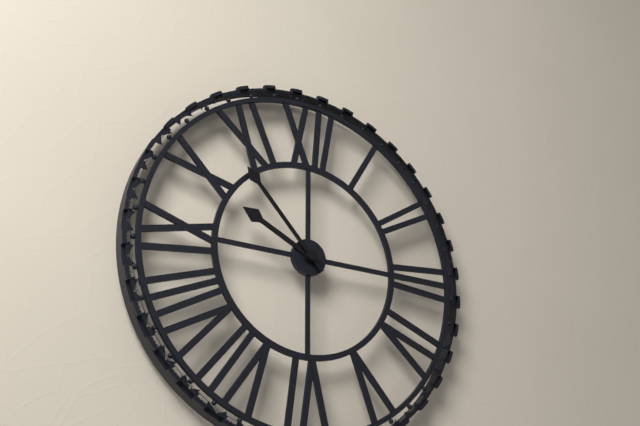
9 h 53 min
